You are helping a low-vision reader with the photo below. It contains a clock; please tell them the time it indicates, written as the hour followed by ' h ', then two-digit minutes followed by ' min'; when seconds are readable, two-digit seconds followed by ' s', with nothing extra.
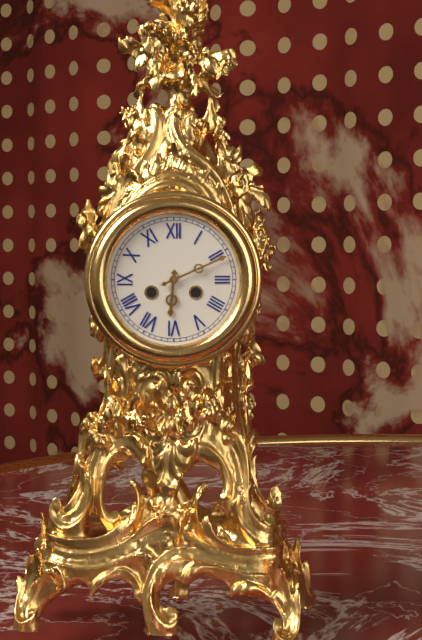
6 h 11 min
